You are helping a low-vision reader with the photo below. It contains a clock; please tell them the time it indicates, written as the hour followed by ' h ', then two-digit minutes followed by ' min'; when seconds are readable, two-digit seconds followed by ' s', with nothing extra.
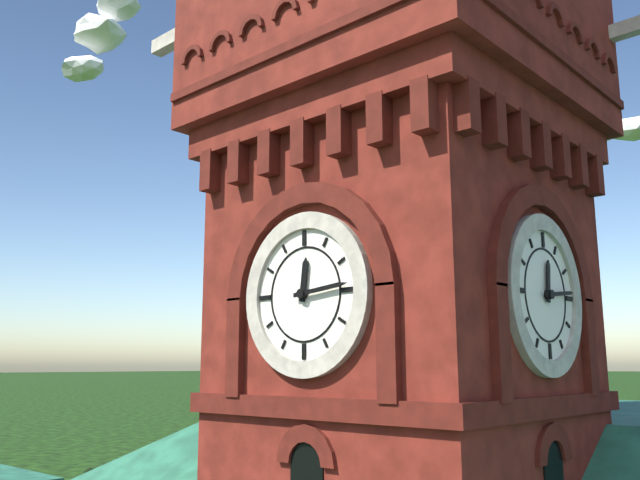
12 h 14 min
